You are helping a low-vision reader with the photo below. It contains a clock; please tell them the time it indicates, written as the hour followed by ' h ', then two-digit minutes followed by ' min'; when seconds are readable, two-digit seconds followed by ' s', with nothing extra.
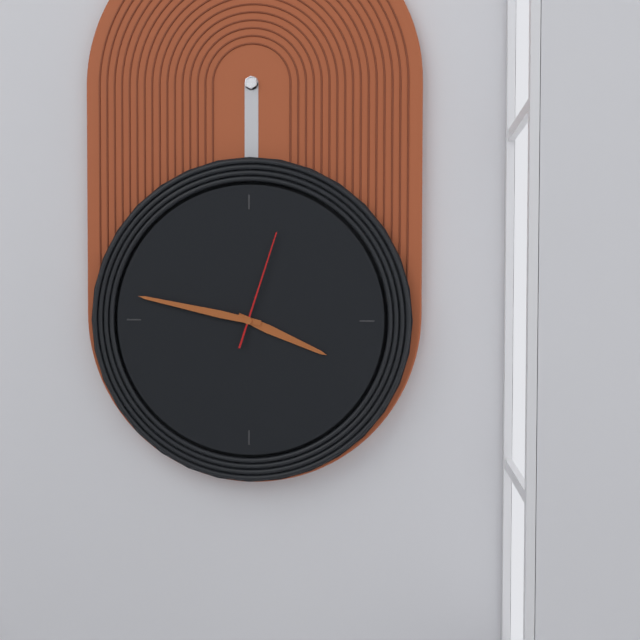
3 h 47 min 03 s
